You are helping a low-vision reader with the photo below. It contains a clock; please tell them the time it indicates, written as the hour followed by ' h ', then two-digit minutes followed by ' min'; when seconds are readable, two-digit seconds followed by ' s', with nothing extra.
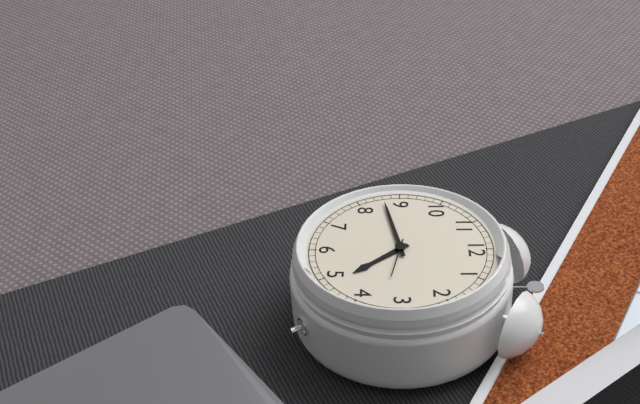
4 h 43 min
